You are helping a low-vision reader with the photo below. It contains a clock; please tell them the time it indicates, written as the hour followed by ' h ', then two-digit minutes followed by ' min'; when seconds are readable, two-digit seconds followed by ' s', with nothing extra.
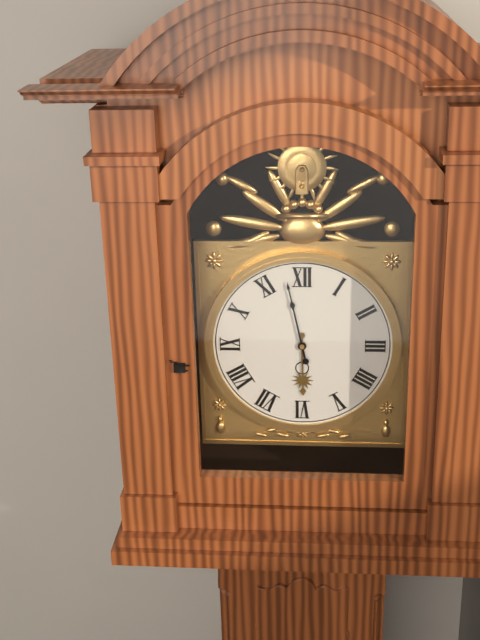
5 h 58 min
